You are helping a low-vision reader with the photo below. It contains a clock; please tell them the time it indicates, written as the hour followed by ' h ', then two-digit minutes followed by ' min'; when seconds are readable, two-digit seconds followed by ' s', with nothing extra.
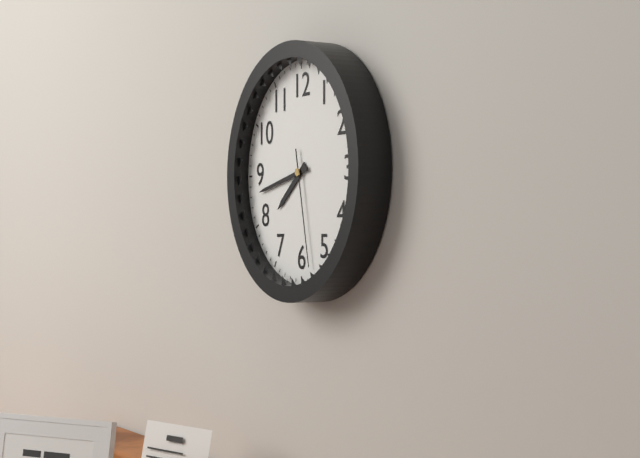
7 h 43 min 28 s
